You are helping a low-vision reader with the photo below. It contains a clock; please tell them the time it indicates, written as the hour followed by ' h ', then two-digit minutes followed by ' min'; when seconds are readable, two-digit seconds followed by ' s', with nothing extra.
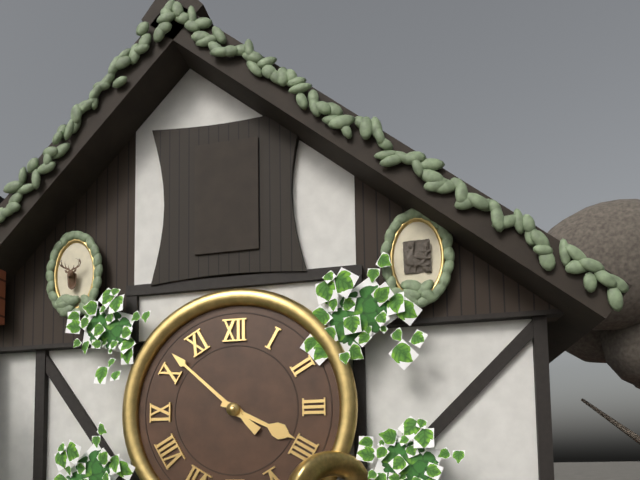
3 h 52 min
